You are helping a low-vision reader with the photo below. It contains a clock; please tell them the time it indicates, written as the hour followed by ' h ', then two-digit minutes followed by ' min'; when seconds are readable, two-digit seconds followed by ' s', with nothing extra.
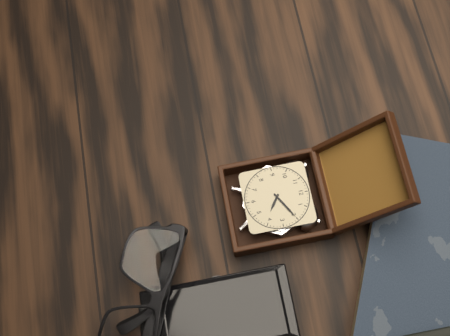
4 h 10 min
